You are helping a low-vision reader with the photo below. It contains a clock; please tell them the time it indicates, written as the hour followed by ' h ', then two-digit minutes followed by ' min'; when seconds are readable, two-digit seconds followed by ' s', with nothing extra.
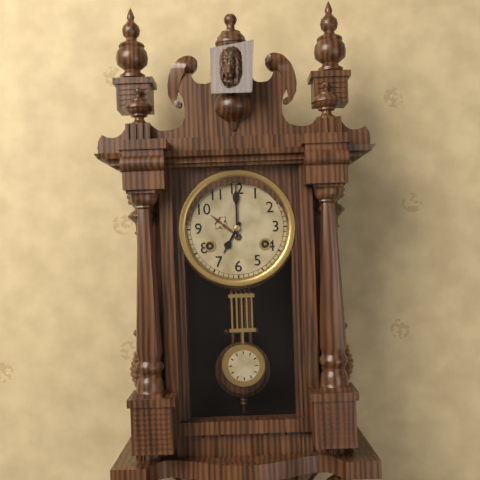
7 h 00 min
